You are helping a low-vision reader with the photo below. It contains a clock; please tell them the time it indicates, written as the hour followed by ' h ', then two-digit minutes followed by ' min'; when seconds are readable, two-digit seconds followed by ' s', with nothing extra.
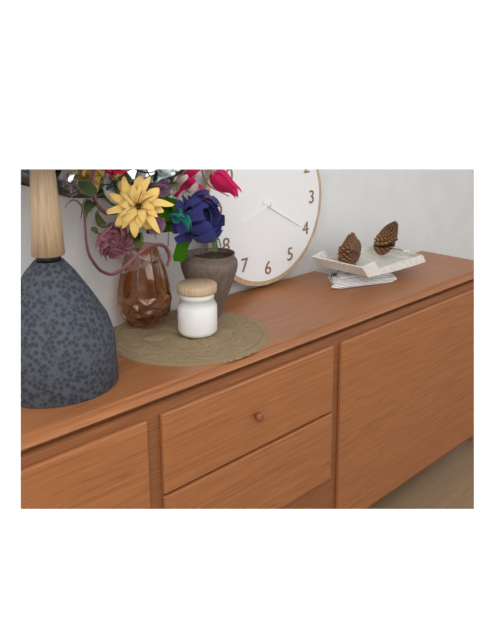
8 h 20 min
